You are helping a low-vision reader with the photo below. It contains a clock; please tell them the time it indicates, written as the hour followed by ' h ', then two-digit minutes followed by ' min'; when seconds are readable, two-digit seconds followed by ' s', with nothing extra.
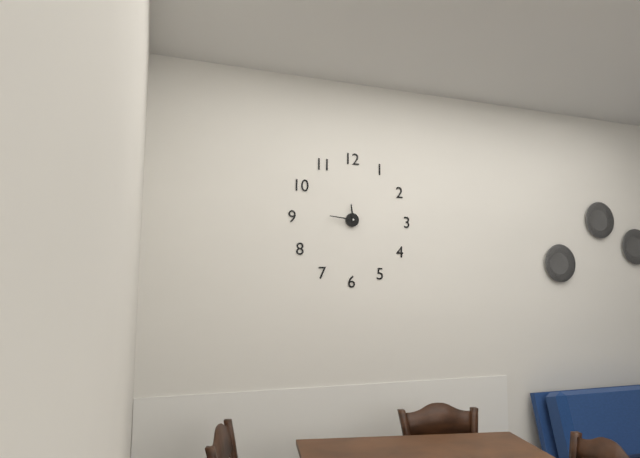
11 h 46 min
